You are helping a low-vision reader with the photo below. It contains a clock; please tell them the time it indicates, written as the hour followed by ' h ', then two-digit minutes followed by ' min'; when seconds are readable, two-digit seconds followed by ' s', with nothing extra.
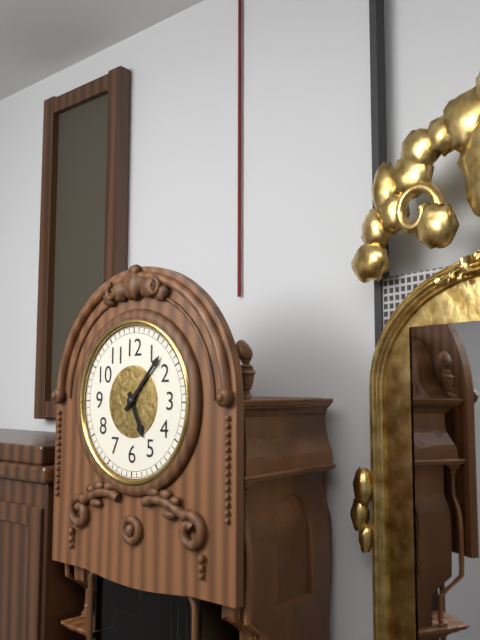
5 h 07 min
